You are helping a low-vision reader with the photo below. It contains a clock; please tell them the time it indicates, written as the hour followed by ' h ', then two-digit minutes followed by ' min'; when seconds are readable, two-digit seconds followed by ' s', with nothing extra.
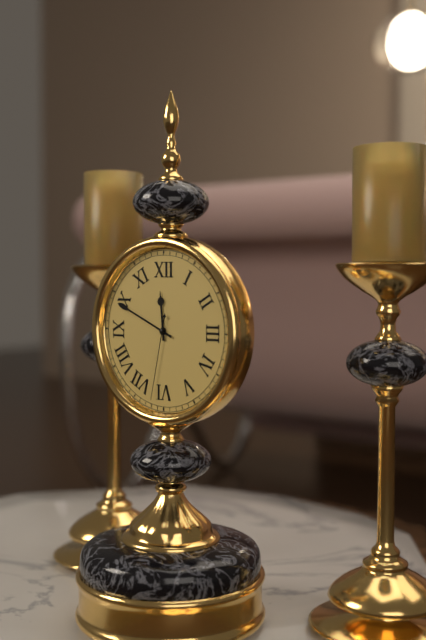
11 h 49 min 32 s
